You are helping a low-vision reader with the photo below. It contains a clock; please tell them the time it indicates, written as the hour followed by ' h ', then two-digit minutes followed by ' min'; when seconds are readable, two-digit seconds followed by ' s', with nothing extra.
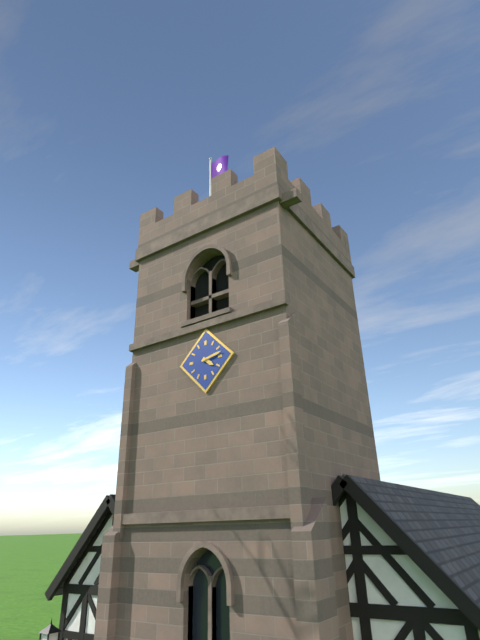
4 h 13 min
